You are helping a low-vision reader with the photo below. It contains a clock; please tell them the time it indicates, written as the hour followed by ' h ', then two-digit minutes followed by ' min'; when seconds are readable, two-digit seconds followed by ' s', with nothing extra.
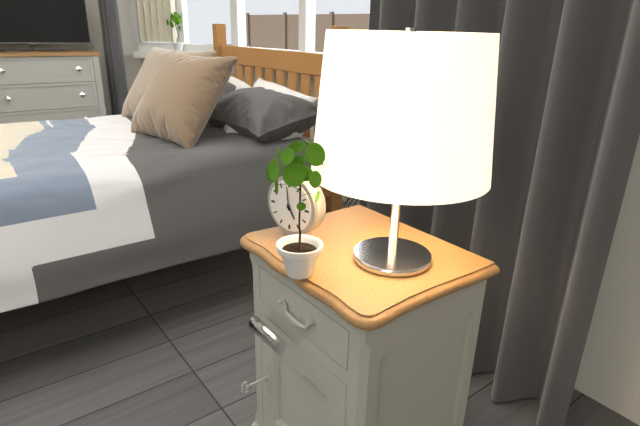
4 h 59 min
